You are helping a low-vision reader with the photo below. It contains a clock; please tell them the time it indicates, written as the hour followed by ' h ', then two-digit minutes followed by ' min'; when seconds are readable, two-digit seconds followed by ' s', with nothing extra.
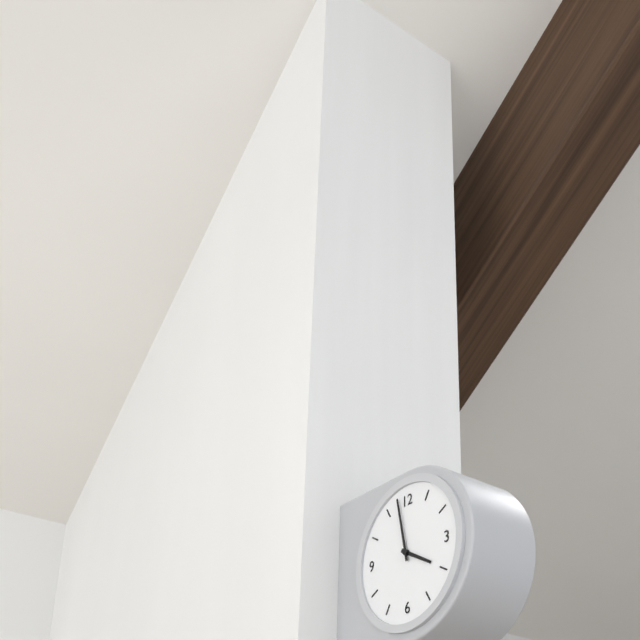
3 h 58 min
